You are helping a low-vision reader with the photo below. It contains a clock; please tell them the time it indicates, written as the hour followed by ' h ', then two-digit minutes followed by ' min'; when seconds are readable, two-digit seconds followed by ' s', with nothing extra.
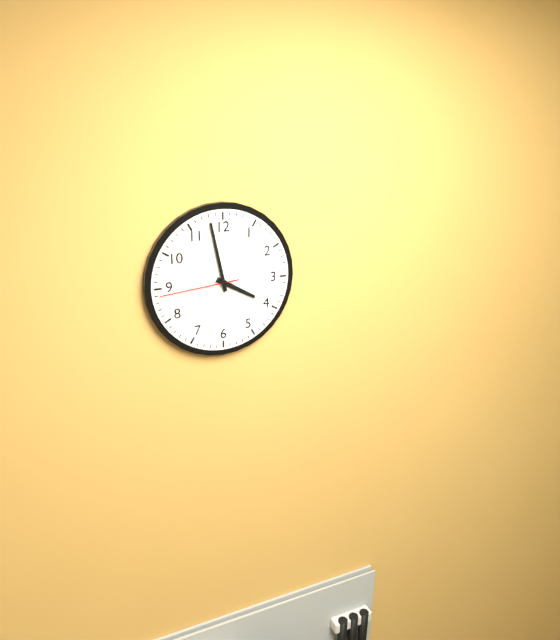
3 h 58 min 44 s
